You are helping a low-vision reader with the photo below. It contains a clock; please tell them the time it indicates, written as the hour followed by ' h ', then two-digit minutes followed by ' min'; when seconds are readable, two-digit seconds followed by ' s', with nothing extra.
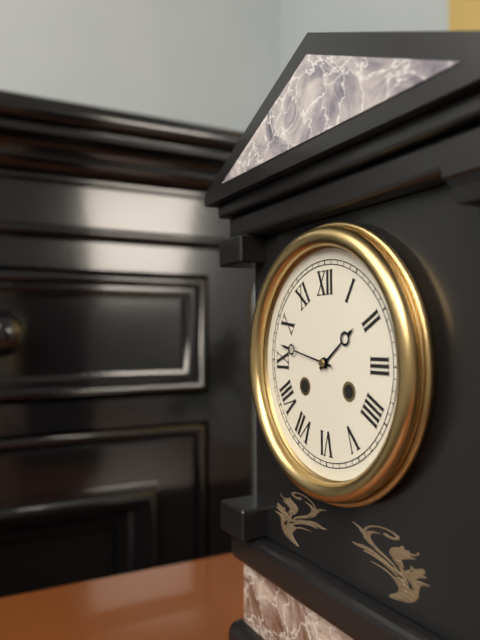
1 h 47 min
